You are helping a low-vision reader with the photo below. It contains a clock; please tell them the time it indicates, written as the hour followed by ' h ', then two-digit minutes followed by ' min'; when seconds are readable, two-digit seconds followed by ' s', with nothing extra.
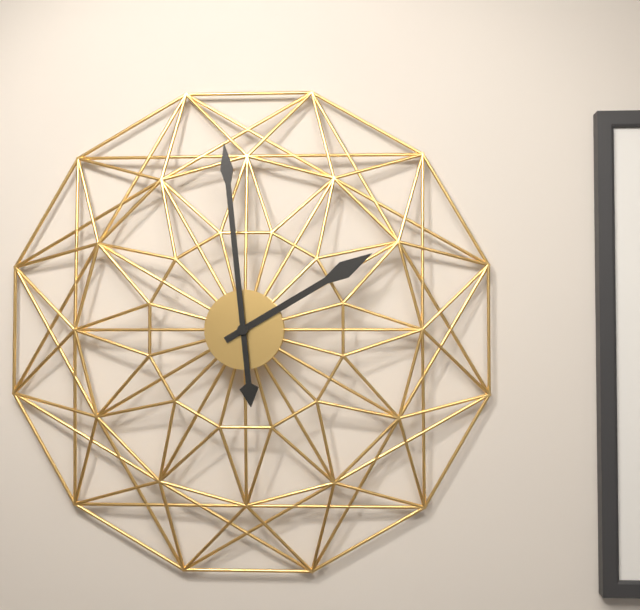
1 h 59 min
